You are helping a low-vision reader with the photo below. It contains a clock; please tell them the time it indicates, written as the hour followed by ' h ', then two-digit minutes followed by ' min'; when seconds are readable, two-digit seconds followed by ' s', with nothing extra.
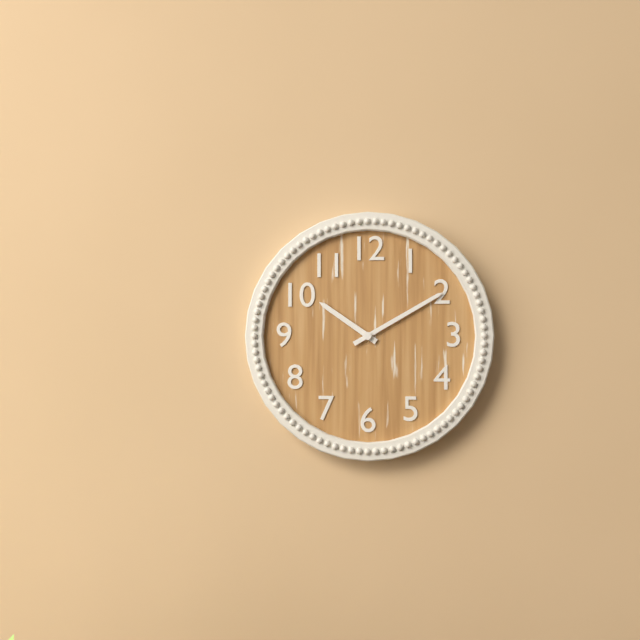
10 h 10 min
